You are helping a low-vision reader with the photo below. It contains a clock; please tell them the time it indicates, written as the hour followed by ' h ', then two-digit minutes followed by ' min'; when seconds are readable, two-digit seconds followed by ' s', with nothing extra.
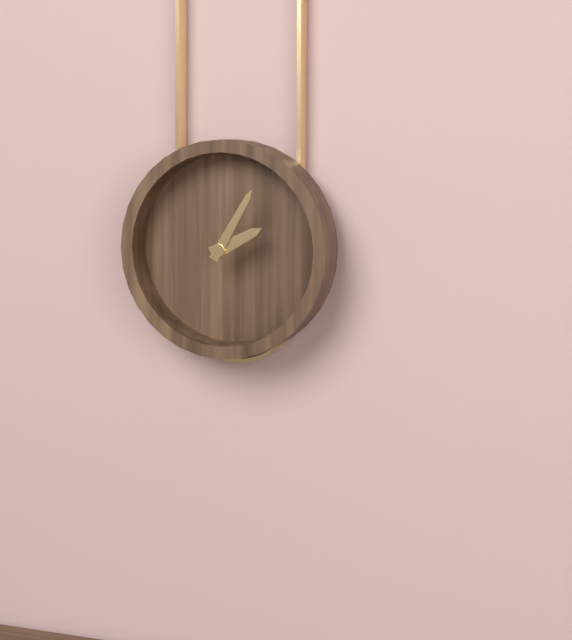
2 h 05 min
